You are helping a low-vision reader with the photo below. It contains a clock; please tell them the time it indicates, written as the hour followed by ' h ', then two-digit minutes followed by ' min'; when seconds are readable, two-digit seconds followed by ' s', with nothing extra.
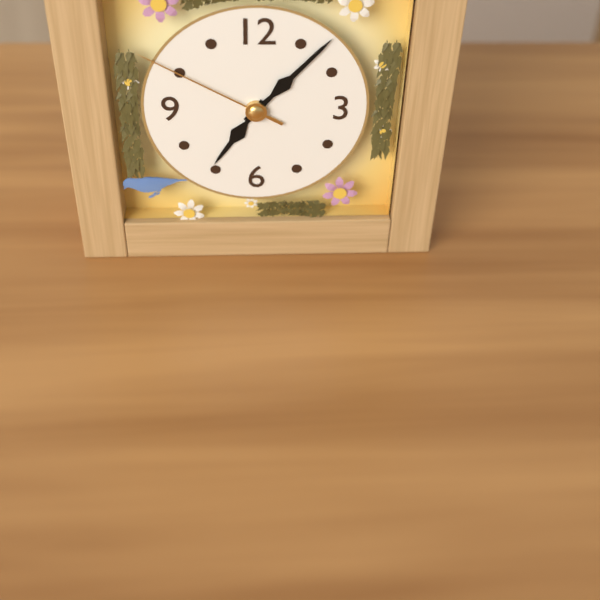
7 h 07 min 50 s
